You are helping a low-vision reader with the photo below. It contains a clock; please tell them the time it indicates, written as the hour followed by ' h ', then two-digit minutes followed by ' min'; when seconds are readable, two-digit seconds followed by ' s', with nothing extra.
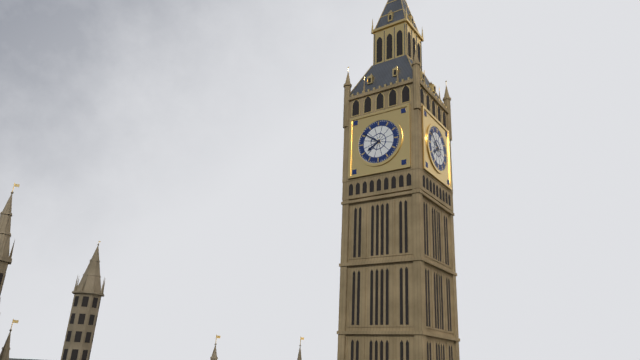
7 h 51 min
